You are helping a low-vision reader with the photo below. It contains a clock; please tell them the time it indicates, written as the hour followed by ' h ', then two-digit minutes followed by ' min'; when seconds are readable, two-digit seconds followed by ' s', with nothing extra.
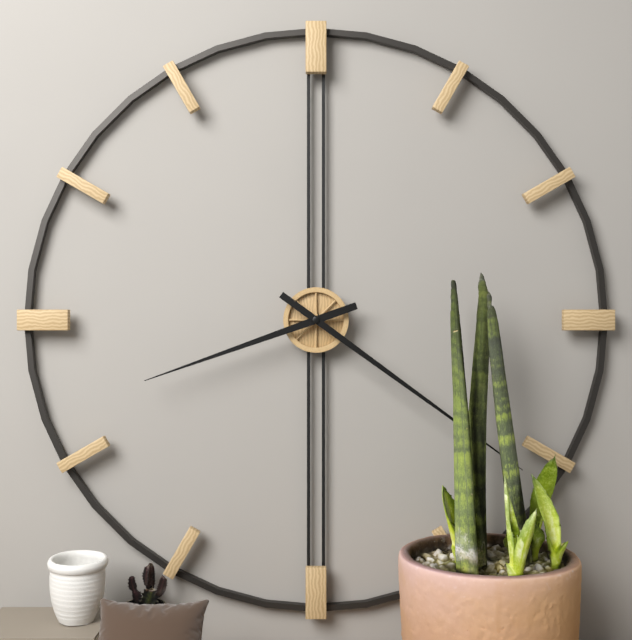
8 h 21 min
